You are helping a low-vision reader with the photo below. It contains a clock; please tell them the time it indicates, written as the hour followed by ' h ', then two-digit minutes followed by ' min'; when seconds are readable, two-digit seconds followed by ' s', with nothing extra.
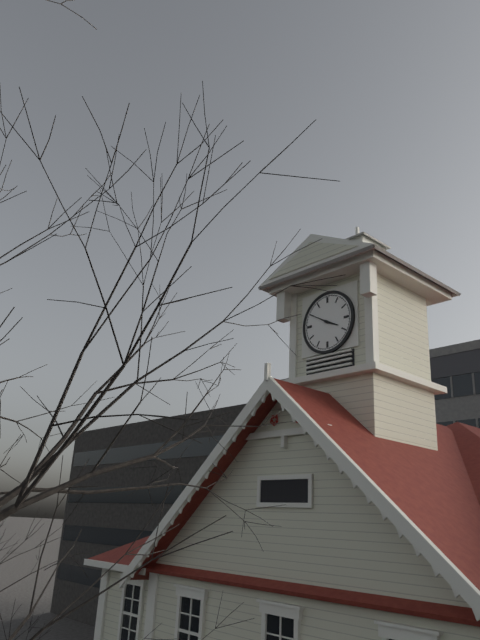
3 h 50 min
